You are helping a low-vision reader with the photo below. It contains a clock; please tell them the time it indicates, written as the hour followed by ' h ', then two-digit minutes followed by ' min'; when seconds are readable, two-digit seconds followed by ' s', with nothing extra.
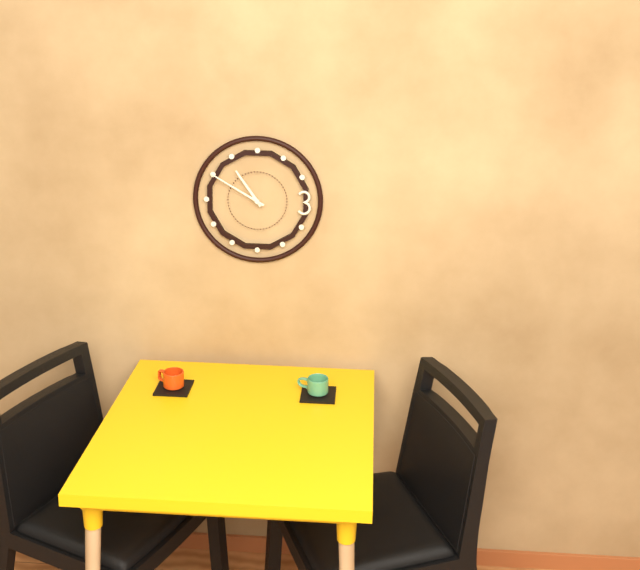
10 h 50 min
